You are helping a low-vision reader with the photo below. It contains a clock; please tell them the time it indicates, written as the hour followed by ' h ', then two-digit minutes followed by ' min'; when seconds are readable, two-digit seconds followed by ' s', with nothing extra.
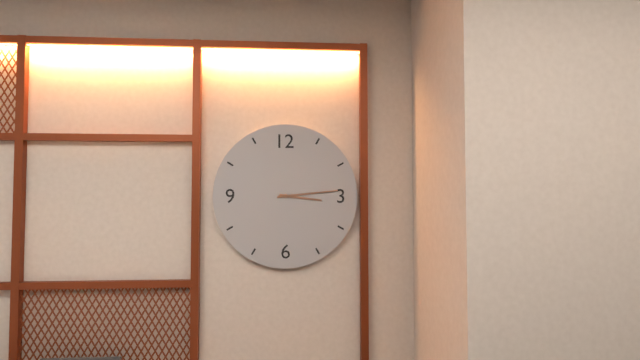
3 h 14 min
